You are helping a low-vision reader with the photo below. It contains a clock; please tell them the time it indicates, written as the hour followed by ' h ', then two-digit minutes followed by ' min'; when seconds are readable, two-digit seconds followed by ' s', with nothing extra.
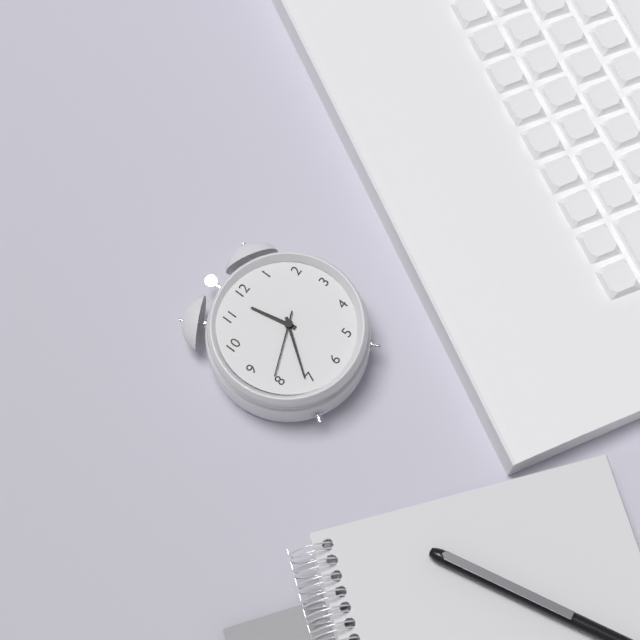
11 h 36 min
